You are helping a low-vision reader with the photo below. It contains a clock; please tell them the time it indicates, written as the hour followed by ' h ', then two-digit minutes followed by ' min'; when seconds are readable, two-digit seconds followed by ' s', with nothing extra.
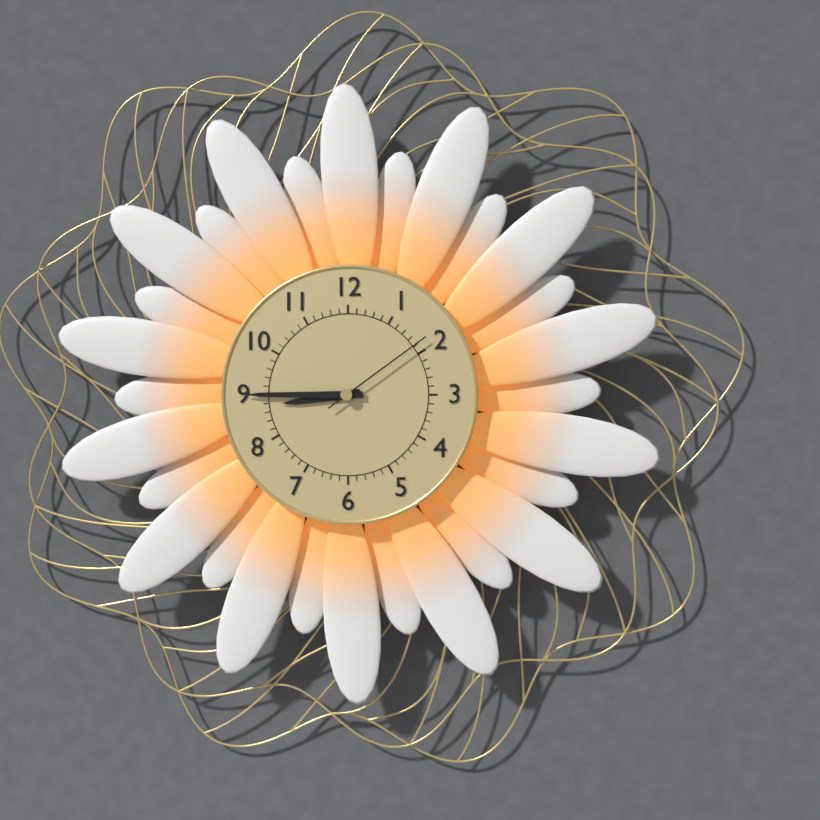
8 h 45 min 09 s
